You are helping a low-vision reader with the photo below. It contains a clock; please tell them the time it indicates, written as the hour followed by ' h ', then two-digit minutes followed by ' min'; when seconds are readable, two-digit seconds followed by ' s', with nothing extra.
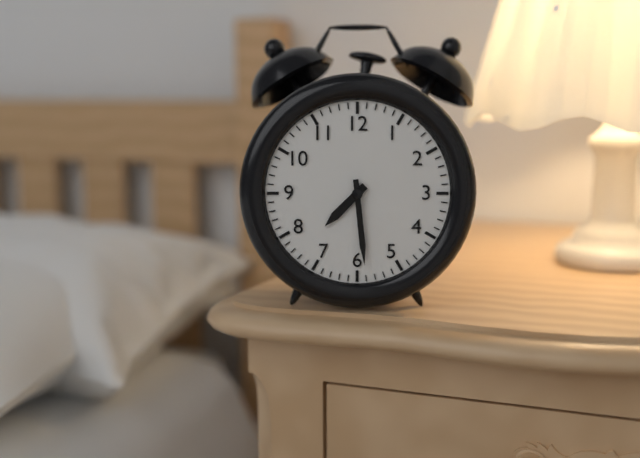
7 h 29 min
